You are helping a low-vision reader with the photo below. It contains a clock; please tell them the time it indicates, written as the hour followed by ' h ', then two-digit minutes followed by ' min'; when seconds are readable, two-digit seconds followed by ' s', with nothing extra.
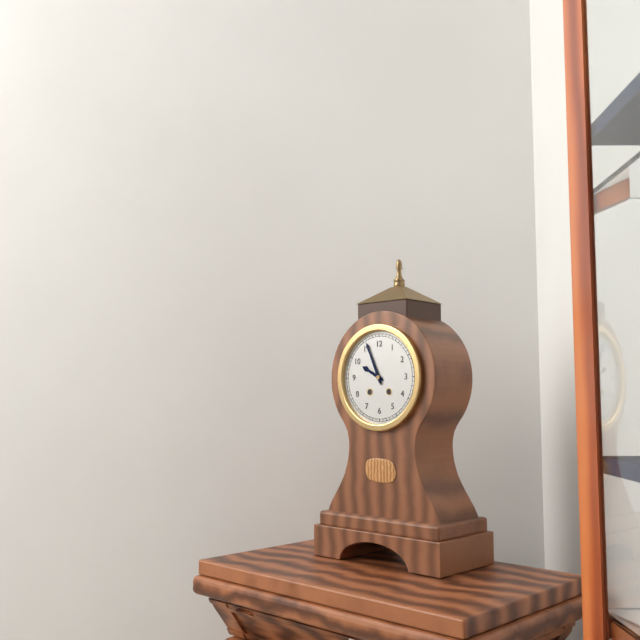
9 h 56 min
